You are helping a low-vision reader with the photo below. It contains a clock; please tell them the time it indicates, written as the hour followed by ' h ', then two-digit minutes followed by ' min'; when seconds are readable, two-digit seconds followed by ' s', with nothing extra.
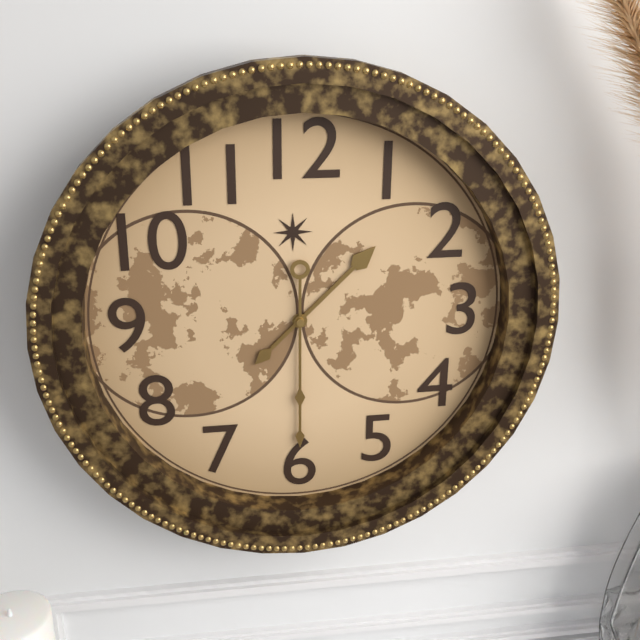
1 h 30 min
